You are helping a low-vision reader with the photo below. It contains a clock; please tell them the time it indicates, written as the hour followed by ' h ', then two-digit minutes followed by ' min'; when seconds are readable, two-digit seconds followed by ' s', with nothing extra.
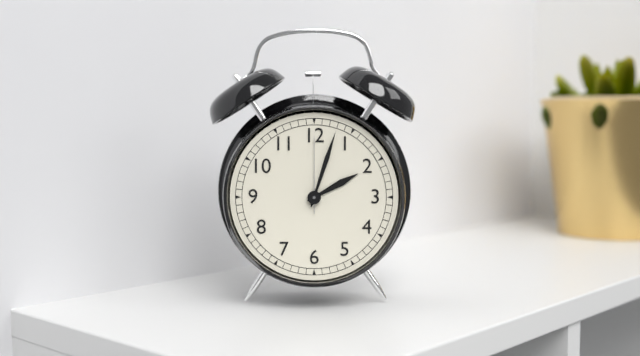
2 h 03 min 00 s
